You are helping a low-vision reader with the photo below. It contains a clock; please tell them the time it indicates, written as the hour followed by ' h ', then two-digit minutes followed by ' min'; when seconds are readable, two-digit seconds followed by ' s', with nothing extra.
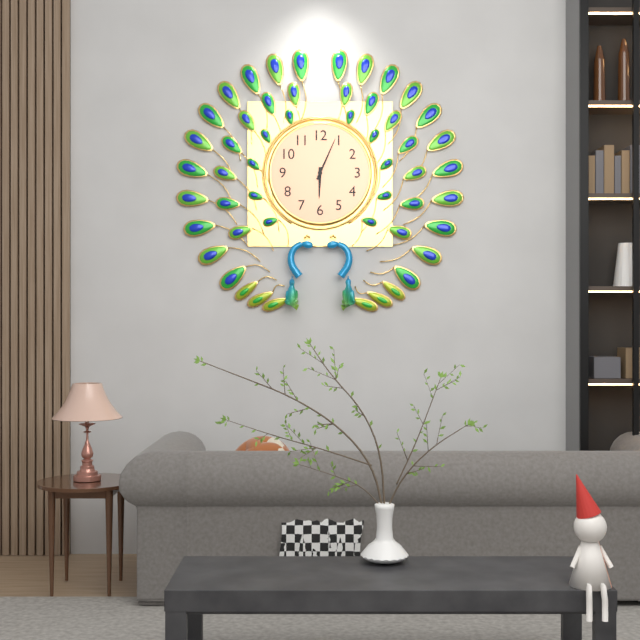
6 h 04 min
